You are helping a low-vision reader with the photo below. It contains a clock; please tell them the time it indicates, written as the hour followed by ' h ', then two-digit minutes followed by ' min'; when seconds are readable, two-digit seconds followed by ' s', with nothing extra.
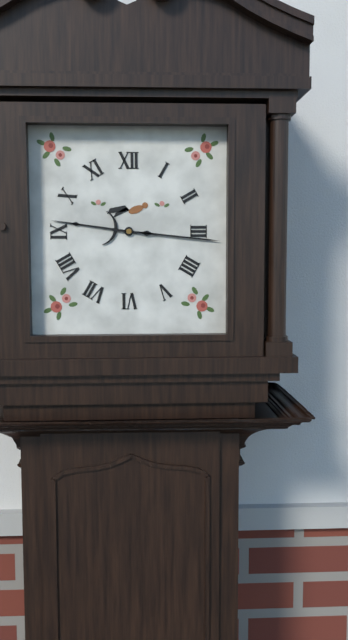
9 h 16 min
